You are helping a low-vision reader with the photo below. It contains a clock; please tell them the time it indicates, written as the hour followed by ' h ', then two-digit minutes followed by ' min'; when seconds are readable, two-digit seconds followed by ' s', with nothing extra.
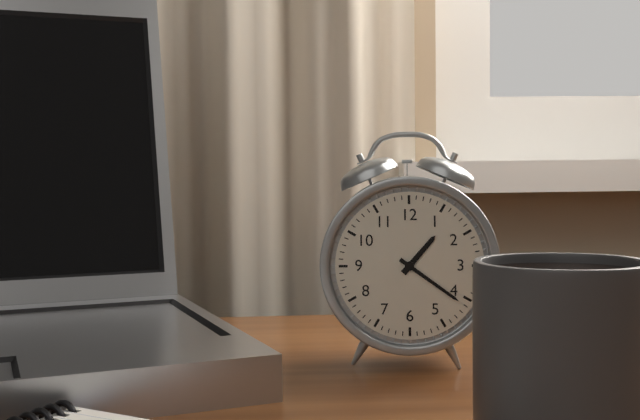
1 h 21 min
